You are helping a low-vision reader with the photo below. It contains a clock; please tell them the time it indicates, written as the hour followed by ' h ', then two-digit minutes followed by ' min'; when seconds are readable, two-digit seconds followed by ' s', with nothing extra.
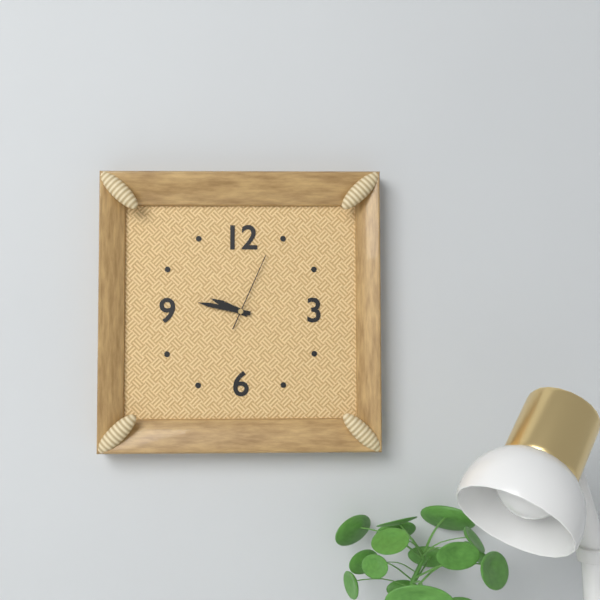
9 h 47 min 04 s
